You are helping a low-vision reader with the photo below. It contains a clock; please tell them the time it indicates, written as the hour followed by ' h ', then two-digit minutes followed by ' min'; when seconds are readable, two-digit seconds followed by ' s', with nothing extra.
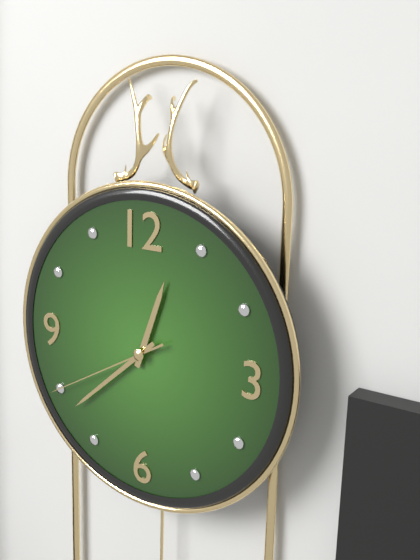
12 h 38 min 40 s
